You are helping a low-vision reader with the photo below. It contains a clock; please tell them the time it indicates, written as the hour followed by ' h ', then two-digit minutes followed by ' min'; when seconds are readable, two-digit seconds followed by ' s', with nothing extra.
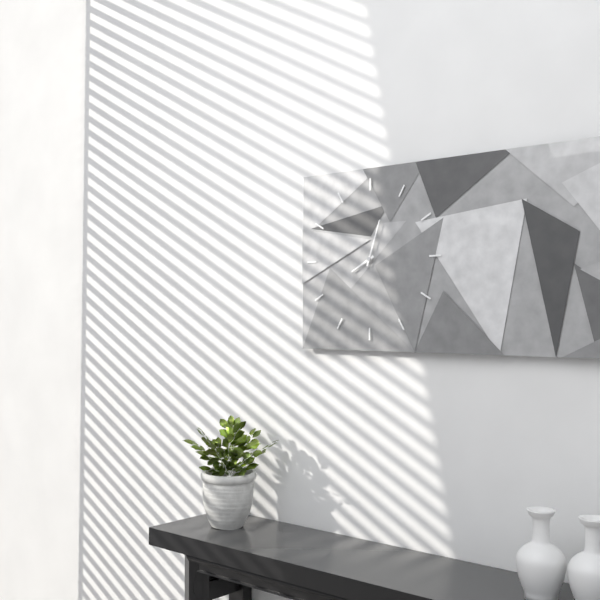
8 h 03 min
